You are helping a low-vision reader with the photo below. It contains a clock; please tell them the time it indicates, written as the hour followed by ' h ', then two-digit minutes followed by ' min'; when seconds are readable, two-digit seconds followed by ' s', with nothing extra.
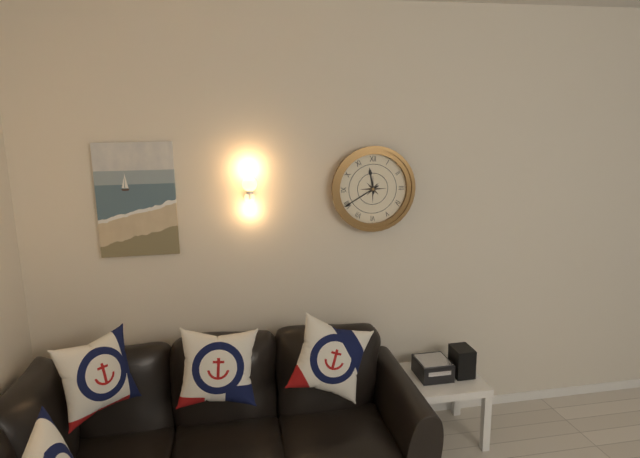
11 h 40 min
